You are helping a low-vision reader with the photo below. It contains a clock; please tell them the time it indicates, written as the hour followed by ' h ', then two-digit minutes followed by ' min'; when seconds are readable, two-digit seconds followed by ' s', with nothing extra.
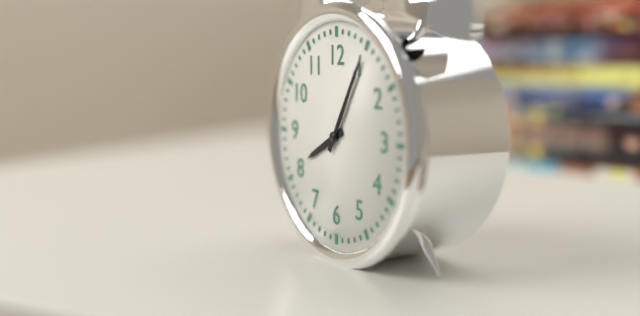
8 h 05 min
